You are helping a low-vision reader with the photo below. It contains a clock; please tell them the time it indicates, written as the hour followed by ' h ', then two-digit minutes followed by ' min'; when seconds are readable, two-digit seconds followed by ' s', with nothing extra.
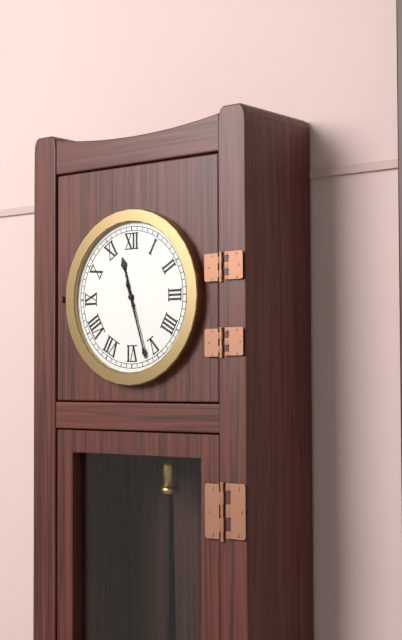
11 h 27 min
